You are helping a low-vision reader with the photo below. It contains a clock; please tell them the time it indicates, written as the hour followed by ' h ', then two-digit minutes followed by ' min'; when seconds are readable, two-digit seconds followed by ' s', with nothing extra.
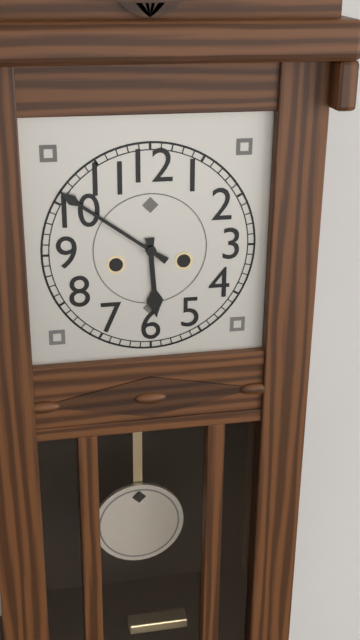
5 h 51 min
